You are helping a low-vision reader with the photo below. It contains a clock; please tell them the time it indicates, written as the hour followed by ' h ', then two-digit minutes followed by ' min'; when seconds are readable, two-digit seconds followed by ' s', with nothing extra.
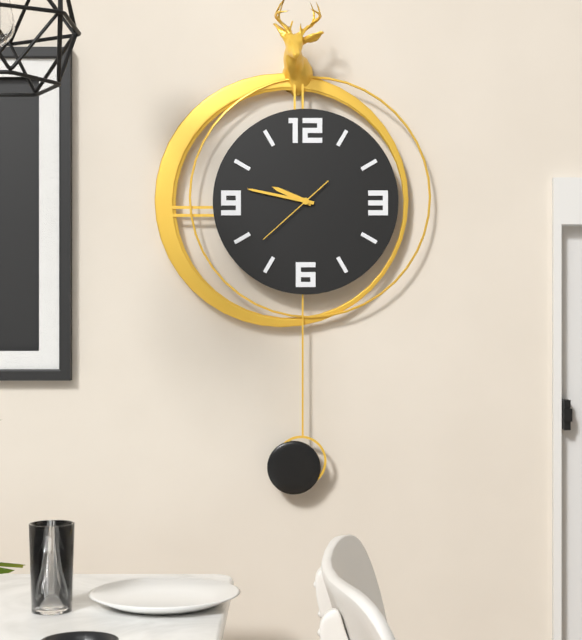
9 h 47 min 38 s
